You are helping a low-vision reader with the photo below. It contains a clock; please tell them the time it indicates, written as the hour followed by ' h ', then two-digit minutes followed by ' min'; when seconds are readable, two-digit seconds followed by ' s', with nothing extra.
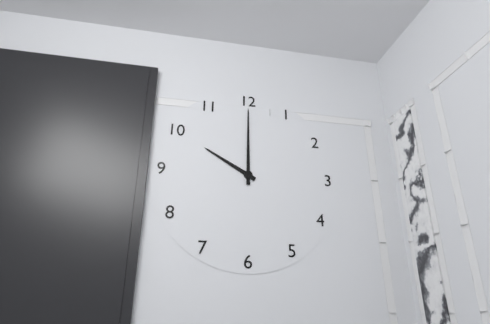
10 h 00 min
